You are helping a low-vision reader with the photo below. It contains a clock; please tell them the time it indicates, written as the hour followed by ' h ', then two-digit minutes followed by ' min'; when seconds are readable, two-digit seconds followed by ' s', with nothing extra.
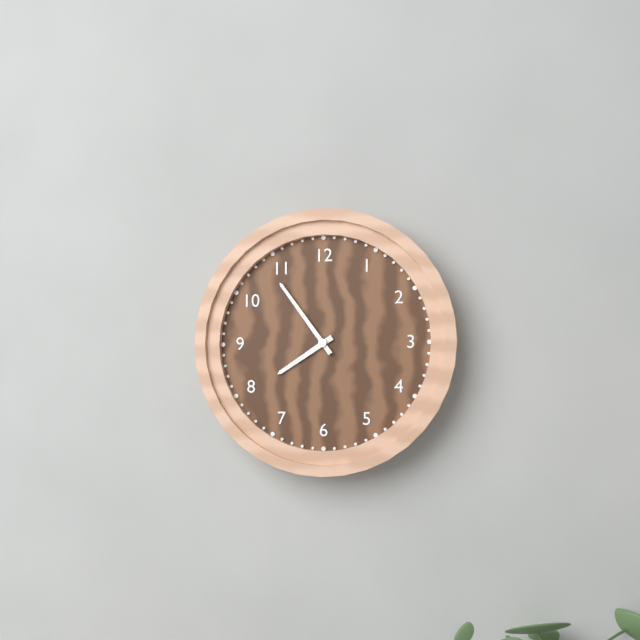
7 h 54 min
